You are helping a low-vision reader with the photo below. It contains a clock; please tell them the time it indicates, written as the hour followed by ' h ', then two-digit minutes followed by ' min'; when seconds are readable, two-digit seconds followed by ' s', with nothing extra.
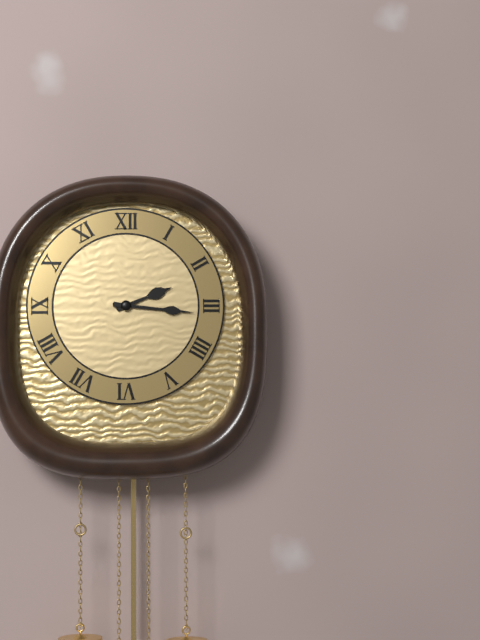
2 h 16 min
